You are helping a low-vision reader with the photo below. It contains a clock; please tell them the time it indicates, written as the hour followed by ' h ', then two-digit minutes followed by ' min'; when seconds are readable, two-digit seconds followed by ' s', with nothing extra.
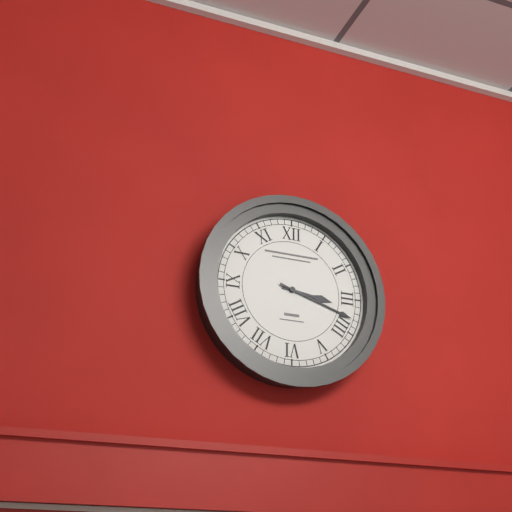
3 h 18 min
